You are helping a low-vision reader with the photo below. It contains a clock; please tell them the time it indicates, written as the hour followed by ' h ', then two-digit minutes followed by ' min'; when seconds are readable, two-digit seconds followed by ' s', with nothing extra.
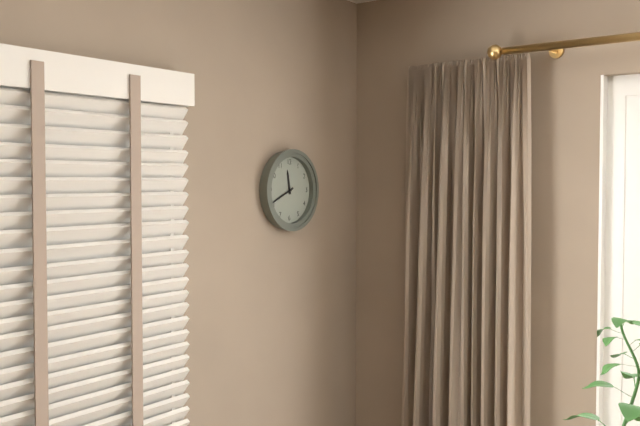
11 h 41 min
